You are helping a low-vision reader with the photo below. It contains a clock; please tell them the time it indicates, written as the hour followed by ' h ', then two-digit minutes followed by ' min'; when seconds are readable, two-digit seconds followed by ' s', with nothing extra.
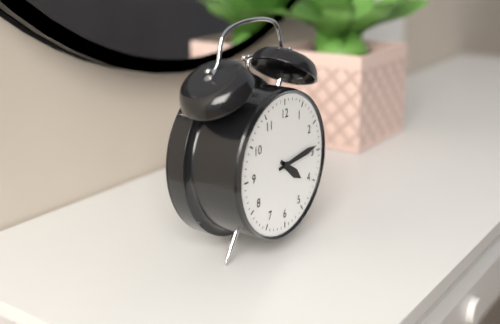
4 h 14 min
